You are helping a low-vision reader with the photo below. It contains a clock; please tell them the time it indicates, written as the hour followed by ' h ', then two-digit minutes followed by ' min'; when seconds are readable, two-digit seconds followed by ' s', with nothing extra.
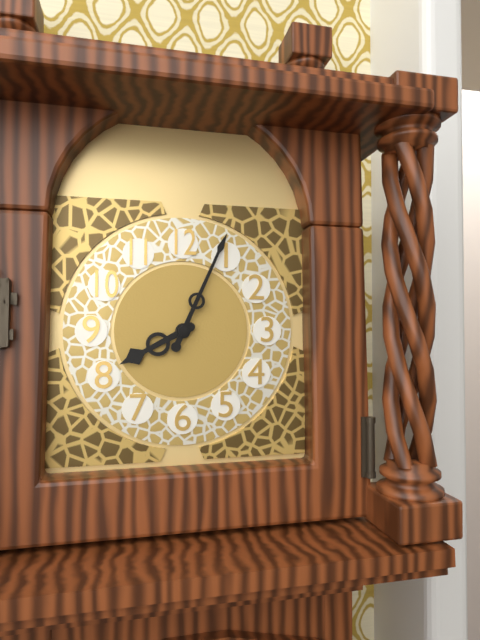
8 h 04 min
